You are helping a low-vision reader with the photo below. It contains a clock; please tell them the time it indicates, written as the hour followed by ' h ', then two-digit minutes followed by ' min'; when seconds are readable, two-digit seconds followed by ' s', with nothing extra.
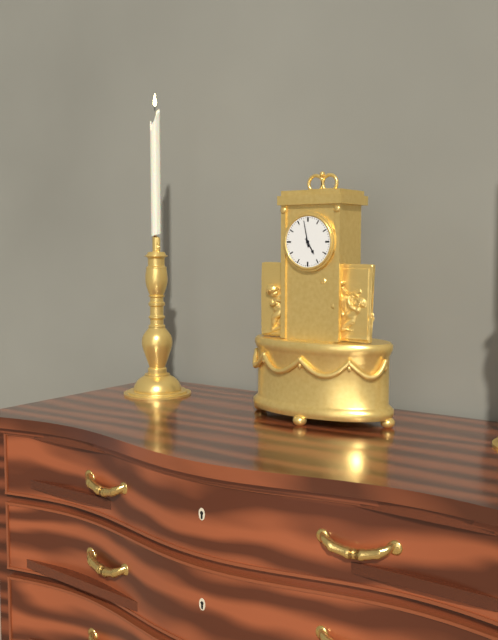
4 h 58 min
